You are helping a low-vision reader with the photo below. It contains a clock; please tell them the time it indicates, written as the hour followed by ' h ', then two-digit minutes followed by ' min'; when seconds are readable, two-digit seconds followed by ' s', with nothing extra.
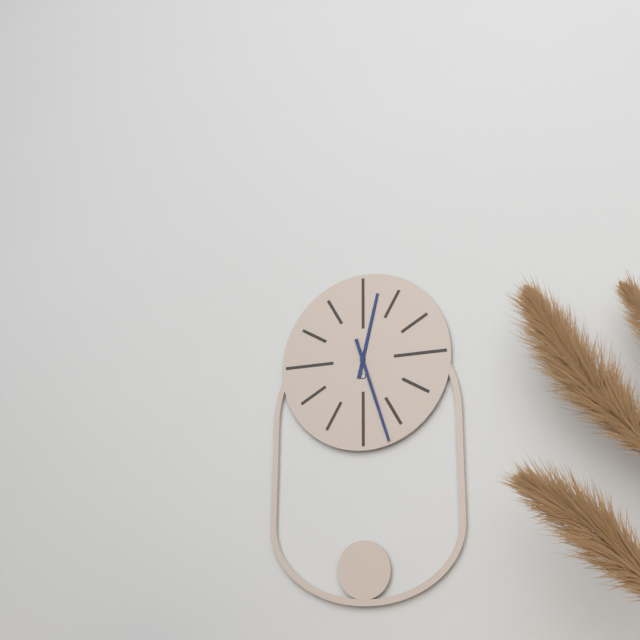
12 h 27 min
